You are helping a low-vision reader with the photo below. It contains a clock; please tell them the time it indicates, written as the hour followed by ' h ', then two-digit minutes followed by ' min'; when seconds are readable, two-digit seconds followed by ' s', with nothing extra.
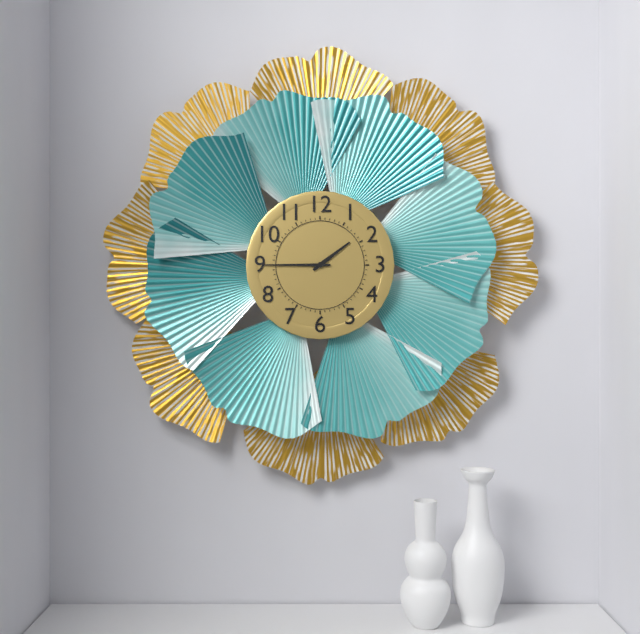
1 h 45 min
